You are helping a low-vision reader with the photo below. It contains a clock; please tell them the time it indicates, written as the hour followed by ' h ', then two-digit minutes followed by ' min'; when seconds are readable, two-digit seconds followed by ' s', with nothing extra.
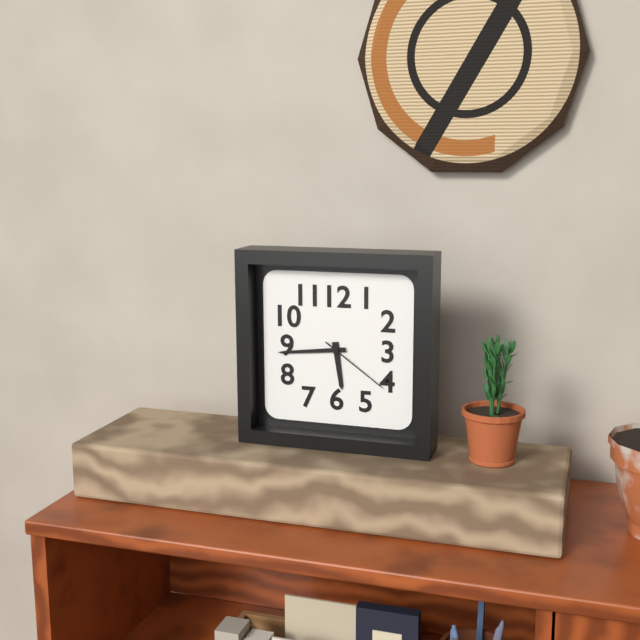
5 h 44 min 21 s
